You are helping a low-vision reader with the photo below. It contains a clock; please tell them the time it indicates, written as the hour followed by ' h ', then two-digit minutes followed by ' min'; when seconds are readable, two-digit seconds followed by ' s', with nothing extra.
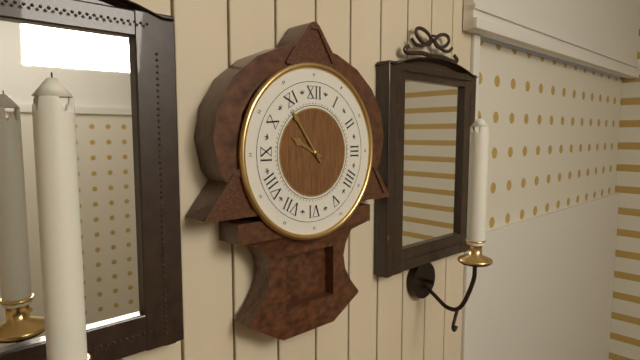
9 h 54 min
